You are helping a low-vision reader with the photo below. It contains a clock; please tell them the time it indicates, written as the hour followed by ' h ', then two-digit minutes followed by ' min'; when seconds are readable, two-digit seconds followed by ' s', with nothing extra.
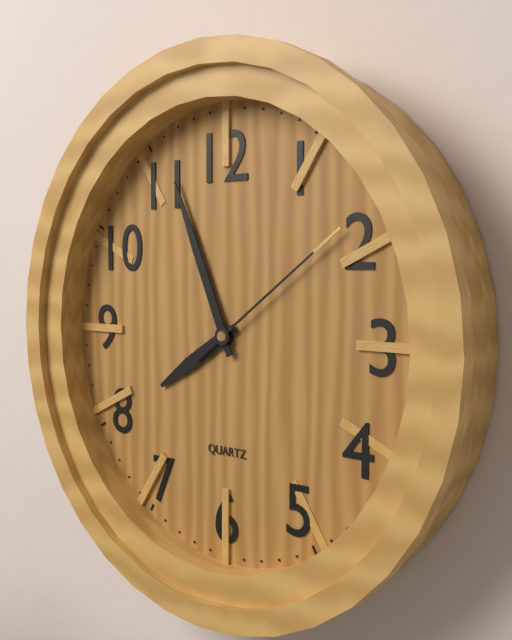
7 h 56 min 09 s
